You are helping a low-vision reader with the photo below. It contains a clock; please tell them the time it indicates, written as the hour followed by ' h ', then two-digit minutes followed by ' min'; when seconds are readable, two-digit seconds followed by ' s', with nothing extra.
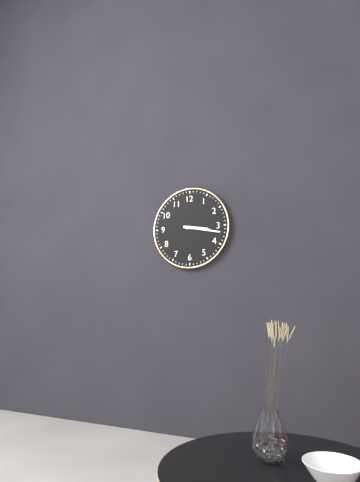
3 h 17 min
